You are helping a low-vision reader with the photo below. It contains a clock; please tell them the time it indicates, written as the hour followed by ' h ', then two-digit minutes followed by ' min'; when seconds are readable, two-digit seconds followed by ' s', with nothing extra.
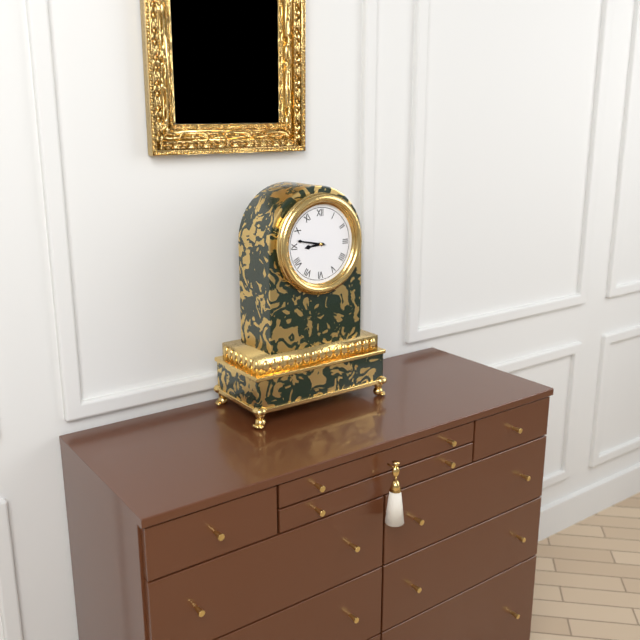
8 h 47 min
